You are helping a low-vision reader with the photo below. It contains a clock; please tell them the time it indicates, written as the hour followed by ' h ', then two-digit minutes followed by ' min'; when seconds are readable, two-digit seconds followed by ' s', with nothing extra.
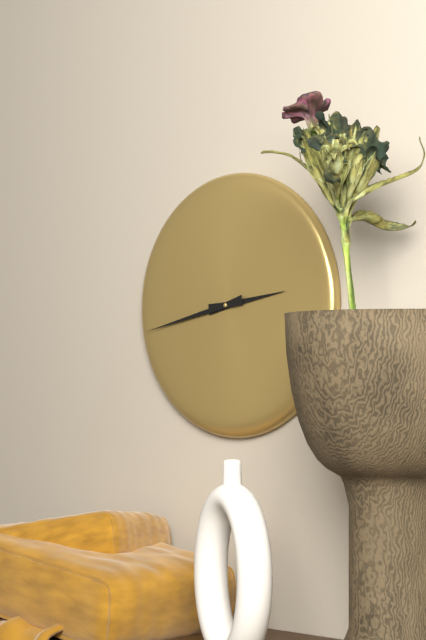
2 h 43 min
